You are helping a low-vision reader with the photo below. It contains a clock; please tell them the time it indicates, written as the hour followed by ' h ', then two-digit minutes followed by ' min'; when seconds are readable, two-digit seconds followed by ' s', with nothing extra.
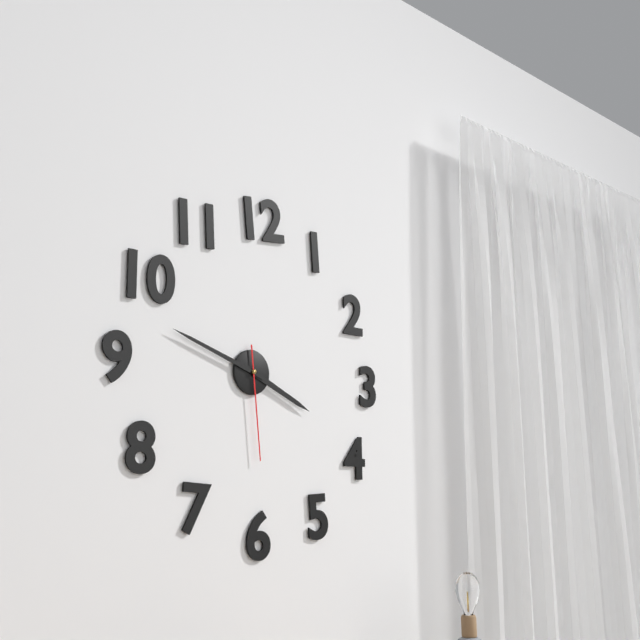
3 h 48 min 29 s
